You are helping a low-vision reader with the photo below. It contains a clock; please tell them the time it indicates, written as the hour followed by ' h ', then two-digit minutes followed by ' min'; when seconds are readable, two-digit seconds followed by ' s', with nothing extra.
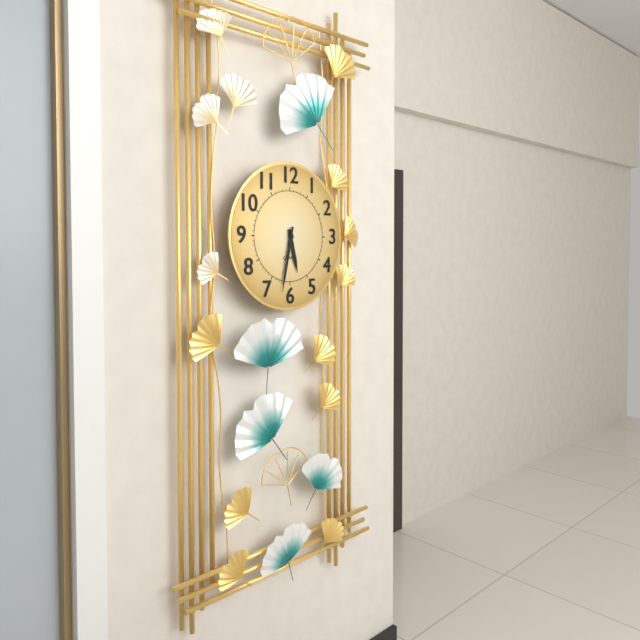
5 h 32 min
